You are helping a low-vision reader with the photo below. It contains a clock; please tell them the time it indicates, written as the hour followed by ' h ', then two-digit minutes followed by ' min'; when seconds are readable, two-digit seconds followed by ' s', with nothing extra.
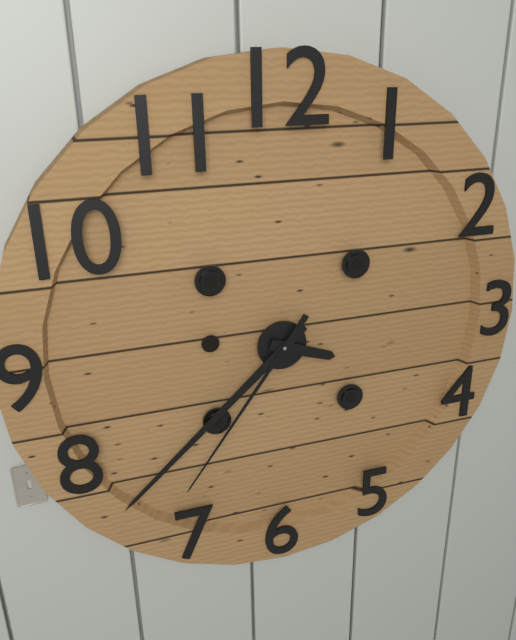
3 h 38 min 36 s
